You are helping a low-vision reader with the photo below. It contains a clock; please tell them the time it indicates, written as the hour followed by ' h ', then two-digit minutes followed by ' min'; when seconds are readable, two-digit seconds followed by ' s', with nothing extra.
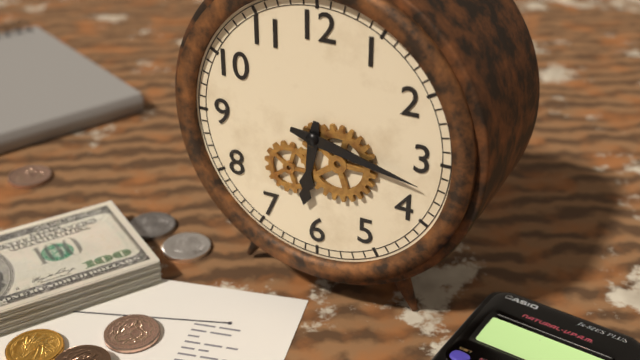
6 h 17 min
